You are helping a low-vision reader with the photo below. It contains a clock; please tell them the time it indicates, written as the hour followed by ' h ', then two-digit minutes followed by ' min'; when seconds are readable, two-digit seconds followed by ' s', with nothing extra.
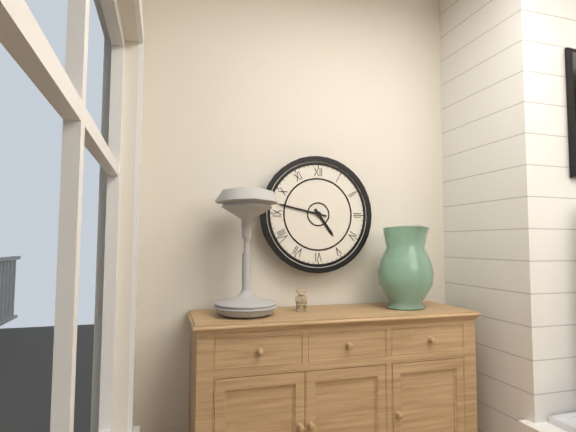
4 h 47 min
